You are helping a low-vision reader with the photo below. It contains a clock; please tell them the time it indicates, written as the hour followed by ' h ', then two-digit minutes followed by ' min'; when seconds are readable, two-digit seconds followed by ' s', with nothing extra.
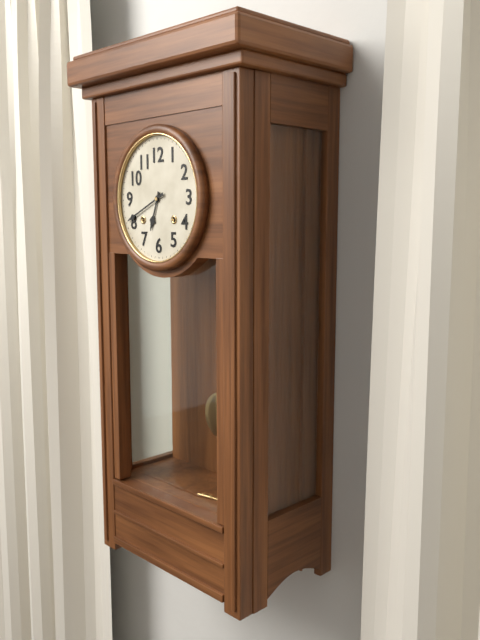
6 h 41 min
